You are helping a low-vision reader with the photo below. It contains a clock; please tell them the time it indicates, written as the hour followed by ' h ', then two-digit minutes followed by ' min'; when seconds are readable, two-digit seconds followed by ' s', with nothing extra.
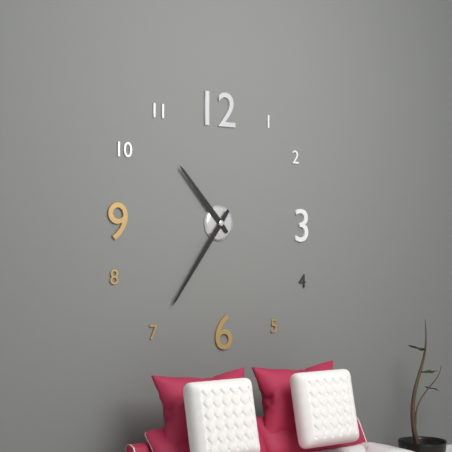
10 h 36 min
